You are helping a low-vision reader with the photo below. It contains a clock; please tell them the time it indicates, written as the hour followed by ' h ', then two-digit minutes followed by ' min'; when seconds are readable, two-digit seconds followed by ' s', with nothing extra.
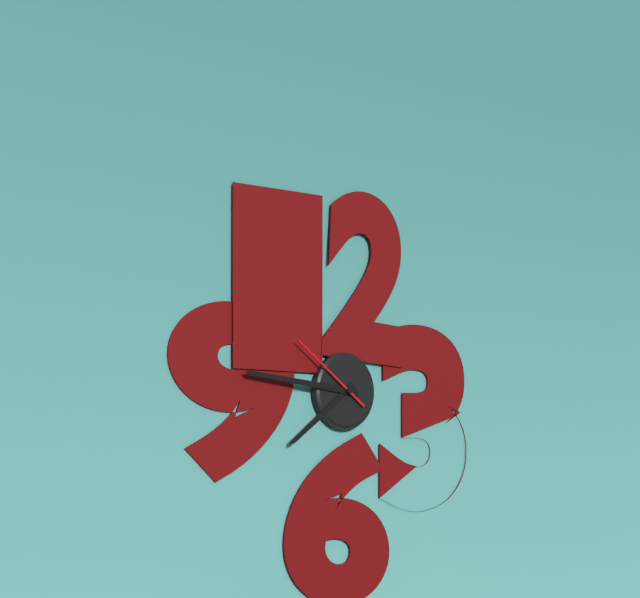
7 h 46 min 51 s
